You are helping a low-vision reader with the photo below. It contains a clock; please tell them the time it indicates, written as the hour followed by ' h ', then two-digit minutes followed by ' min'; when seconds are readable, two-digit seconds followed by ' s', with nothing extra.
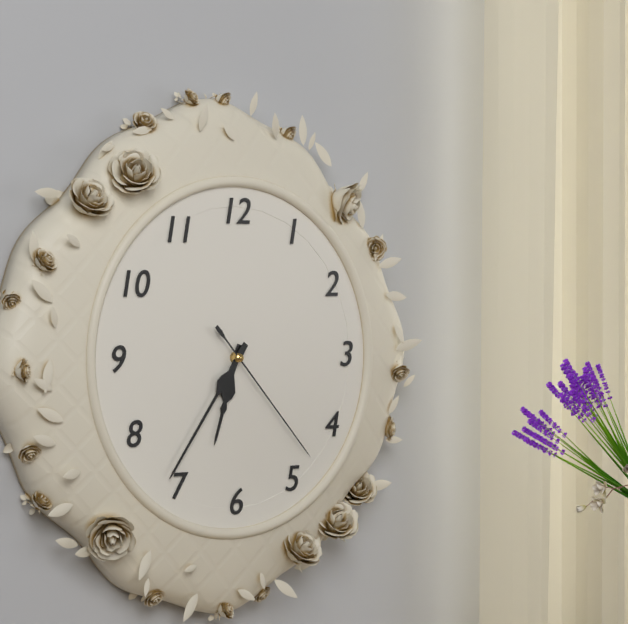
6 h 36 min 23 s
